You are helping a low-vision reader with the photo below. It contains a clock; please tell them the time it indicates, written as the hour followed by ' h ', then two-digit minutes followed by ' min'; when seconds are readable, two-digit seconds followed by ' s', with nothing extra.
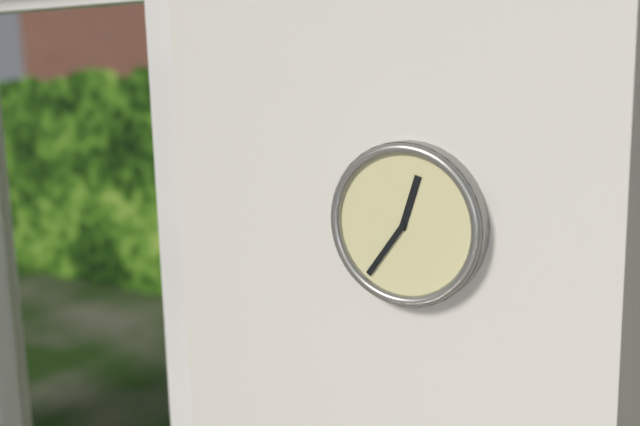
12 h 36 min
